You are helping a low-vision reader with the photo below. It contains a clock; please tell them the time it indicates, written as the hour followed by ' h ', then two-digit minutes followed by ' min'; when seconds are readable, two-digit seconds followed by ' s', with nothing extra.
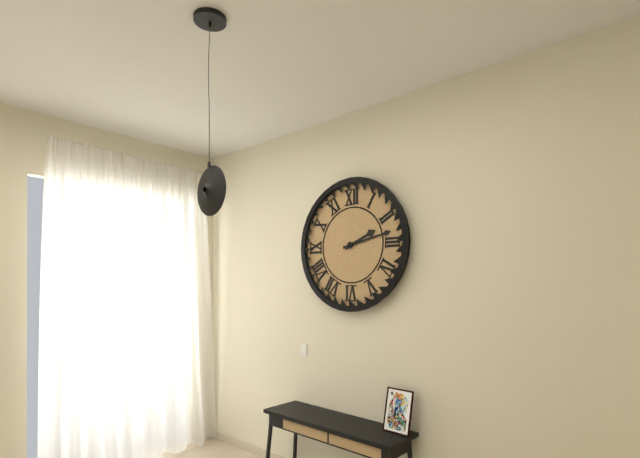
2 h 13 min
